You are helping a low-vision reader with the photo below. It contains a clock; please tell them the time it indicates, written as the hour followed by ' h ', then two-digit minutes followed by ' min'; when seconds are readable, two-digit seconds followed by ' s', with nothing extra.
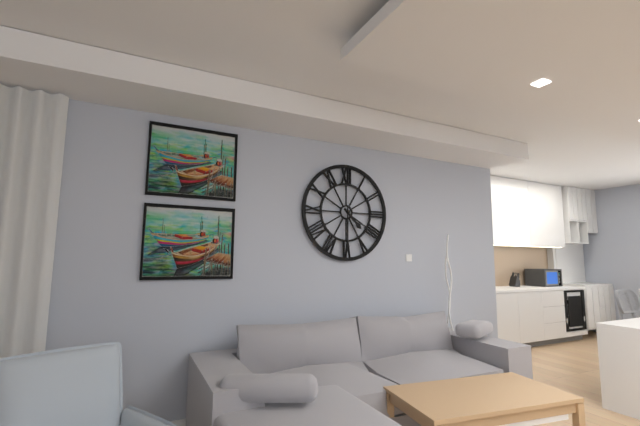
4 h 30 min
